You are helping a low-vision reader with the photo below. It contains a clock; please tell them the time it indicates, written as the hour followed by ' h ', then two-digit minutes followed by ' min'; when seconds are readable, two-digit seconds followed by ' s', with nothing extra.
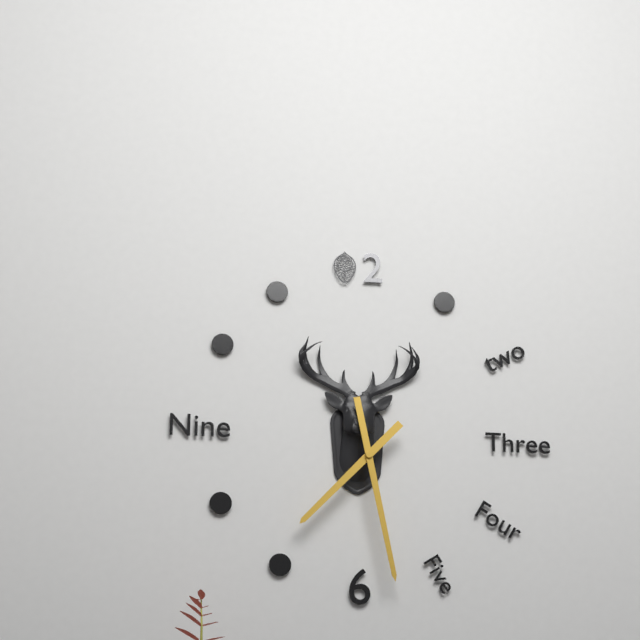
7 h 28 min
